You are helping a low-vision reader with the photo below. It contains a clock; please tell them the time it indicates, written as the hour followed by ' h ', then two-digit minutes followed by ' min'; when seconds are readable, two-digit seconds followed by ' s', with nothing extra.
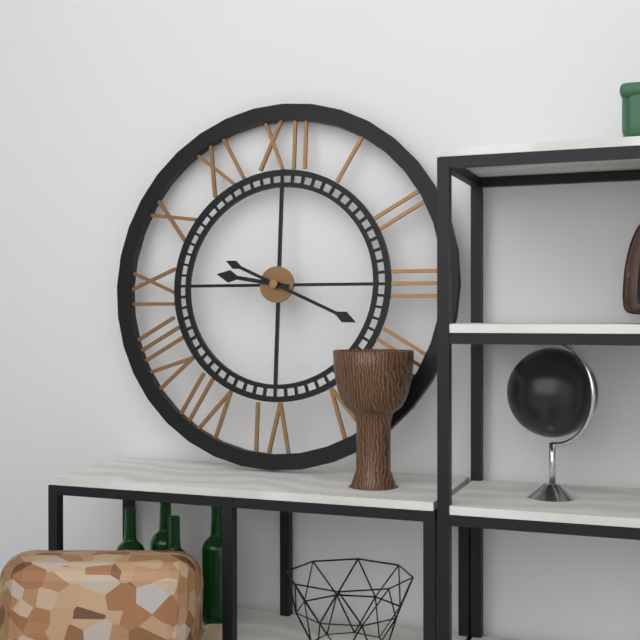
9 h 19 min
